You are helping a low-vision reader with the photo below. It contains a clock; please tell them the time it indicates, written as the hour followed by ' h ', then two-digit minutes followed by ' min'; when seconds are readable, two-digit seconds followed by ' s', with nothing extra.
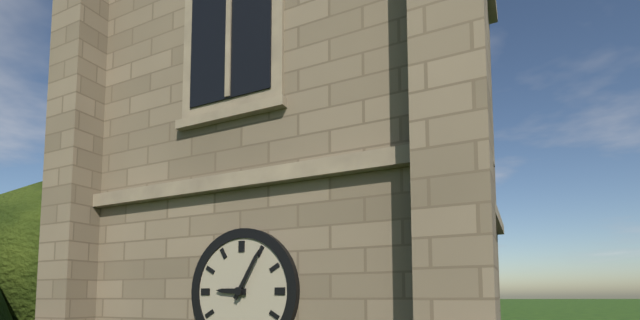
9 h 05 min
